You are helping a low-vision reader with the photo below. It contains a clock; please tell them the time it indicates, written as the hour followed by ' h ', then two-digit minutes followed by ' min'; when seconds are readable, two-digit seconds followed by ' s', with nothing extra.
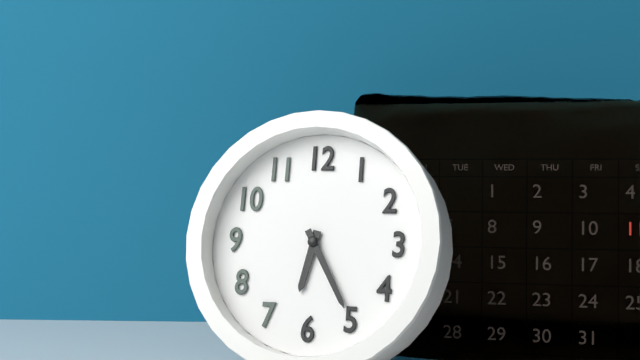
6 h 25 min
